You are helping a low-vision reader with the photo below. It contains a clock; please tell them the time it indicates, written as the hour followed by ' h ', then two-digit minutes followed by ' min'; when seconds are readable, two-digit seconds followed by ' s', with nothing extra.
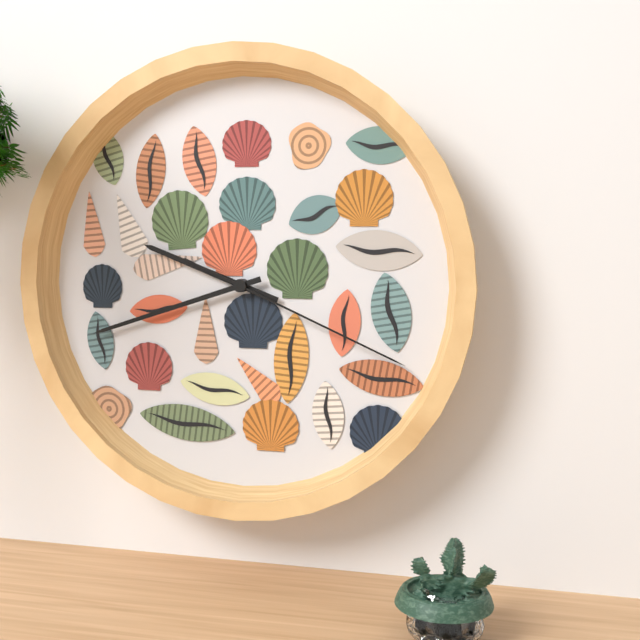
9 h 42 min 19 s
